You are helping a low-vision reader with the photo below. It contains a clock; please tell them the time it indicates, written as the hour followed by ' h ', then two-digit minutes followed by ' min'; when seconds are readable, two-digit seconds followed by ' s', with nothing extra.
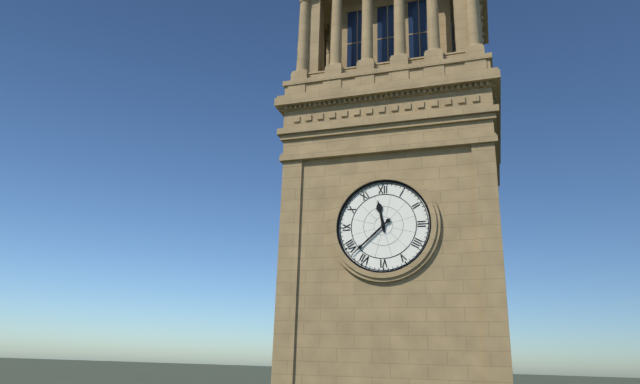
11 h 38 min
